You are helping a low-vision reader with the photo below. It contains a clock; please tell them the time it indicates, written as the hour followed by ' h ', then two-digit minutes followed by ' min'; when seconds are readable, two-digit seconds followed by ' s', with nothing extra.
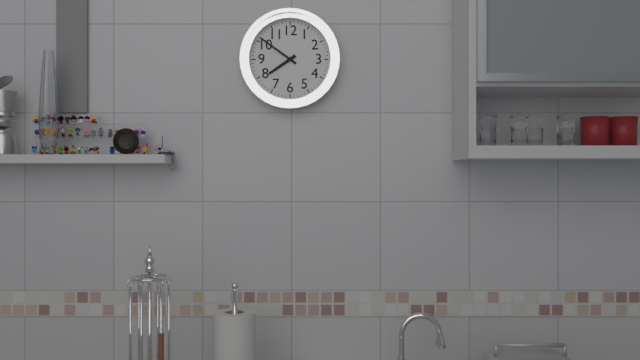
7 h 51 min
